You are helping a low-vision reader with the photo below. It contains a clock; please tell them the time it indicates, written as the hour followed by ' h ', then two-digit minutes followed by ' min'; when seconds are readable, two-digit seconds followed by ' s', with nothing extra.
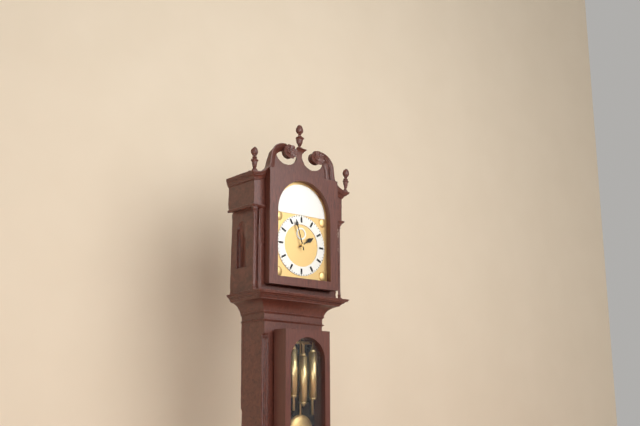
1 h 57 min
